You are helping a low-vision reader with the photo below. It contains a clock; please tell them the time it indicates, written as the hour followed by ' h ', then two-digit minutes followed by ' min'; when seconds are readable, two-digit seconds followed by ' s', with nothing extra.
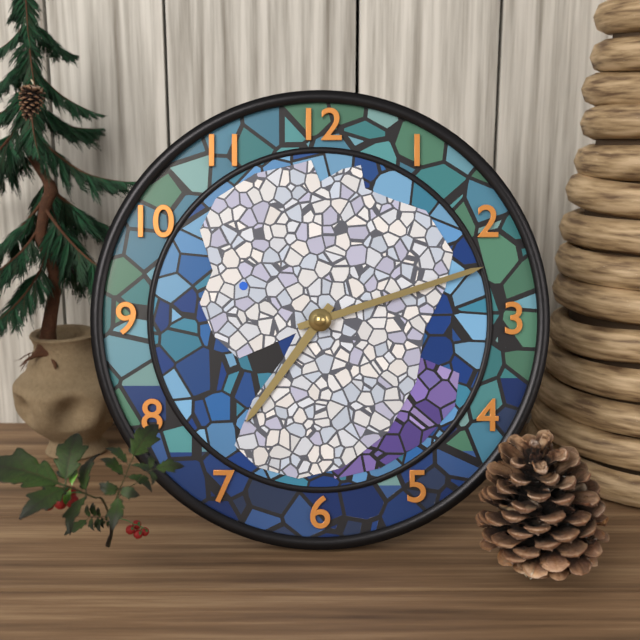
7 h 12 min
